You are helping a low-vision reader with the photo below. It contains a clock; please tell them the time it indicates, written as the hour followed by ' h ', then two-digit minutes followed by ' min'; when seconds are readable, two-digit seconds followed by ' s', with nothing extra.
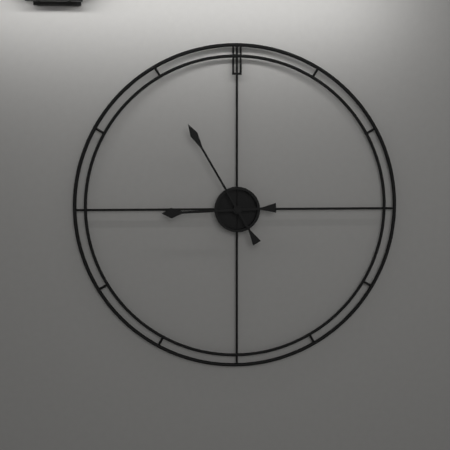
8 h 55 min
